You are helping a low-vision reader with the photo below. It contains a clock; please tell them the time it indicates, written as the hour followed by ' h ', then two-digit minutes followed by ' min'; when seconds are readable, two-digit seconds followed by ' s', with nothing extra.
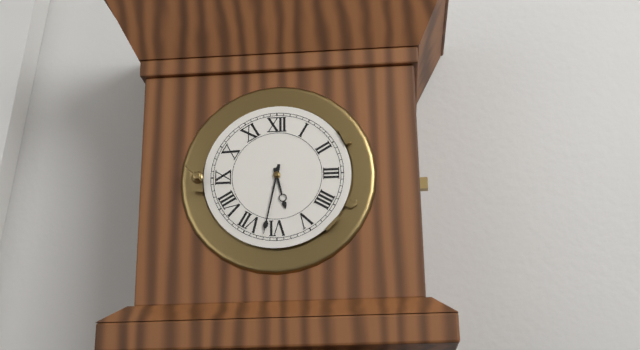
5 h 32 min
